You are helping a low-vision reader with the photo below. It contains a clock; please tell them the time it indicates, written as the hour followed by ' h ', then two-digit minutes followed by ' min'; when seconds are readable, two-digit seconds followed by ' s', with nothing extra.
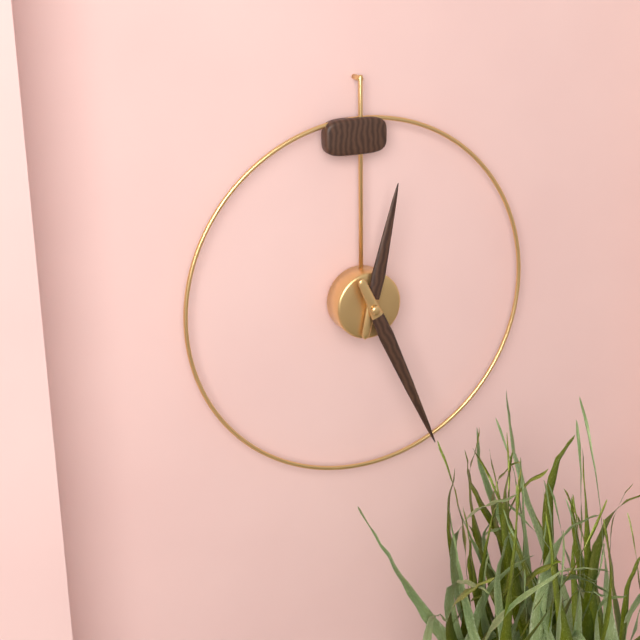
12 h 26 min
